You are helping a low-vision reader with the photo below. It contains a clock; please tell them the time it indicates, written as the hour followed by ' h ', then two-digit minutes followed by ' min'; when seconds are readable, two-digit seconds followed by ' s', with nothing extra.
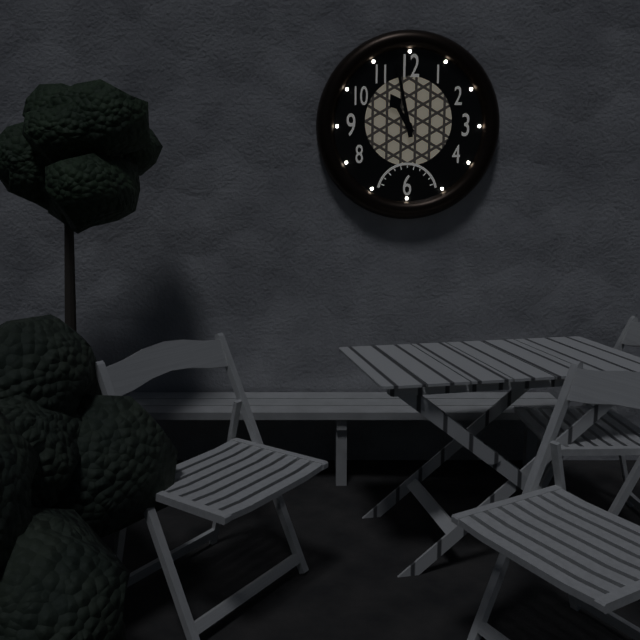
10 h 58 min
